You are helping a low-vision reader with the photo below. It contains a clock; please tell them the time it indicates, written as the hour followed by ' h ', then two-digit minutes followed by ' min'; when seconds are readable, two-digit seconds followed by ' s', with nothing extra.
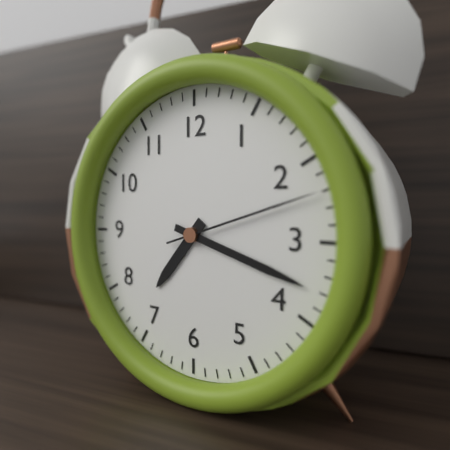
7 h 18 min 12 s
